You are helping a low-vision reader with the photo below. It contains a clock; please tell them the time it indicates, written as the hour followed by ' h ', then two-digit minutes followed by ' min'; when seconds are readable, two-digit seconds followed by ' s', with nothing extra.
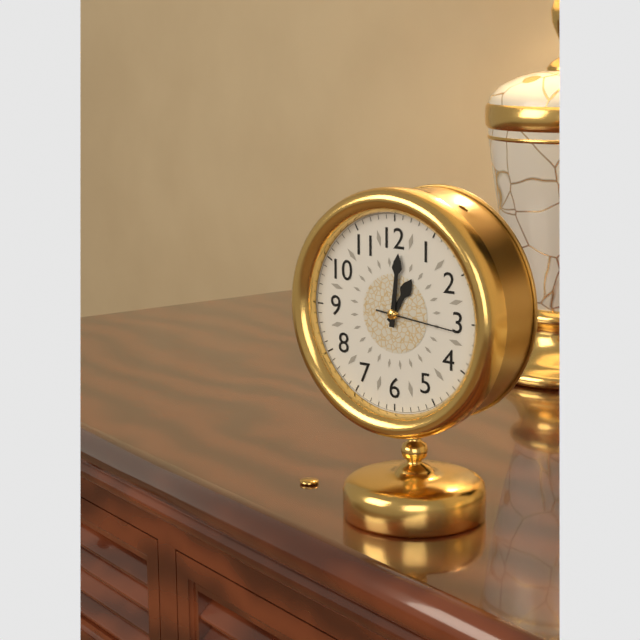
1 h 01 min 16 s
